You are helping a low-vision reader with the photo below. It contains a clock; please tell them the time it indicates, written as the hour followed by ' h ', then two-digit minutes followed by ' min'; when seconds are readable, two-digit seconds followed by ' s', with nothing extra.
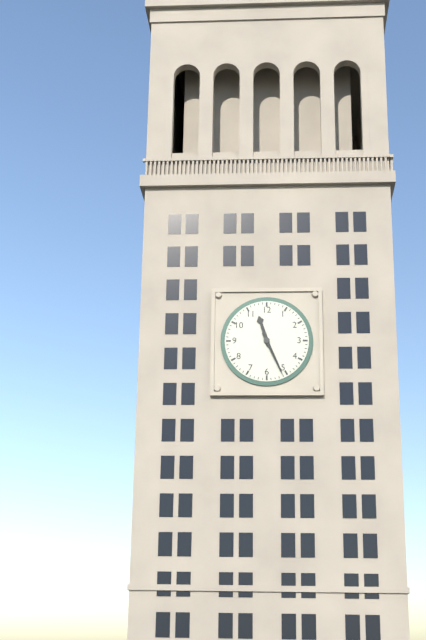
11 h 26 min
